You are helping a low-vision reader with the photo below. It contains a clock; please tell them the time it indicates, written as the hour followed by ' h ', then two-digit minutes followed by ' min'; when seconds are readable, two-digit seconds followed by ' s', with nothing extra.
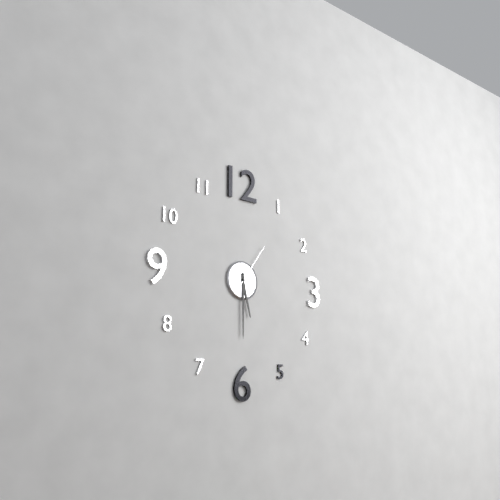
5 h 30 min 06 s
